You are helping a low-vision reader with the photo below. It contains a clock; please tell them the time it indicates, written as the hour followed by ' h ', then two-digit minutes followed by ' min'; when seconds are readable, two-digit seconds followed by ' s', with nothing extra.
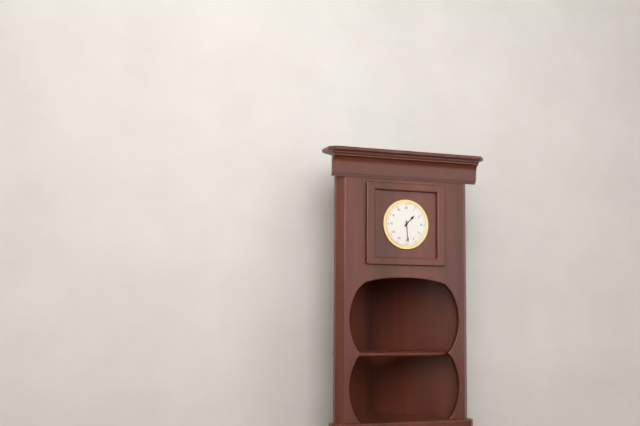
1 h 29 min
